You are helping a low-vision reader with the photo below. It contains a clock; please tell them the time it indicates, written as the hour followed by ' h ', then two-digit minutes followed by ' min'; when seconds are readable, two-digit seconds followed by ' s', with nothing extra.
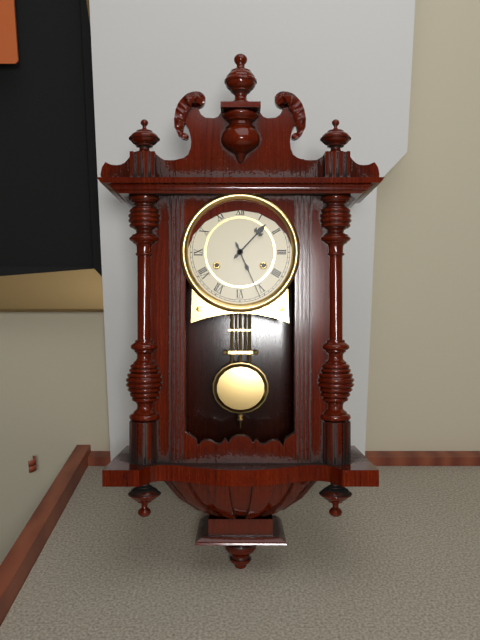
1 h 26 min
